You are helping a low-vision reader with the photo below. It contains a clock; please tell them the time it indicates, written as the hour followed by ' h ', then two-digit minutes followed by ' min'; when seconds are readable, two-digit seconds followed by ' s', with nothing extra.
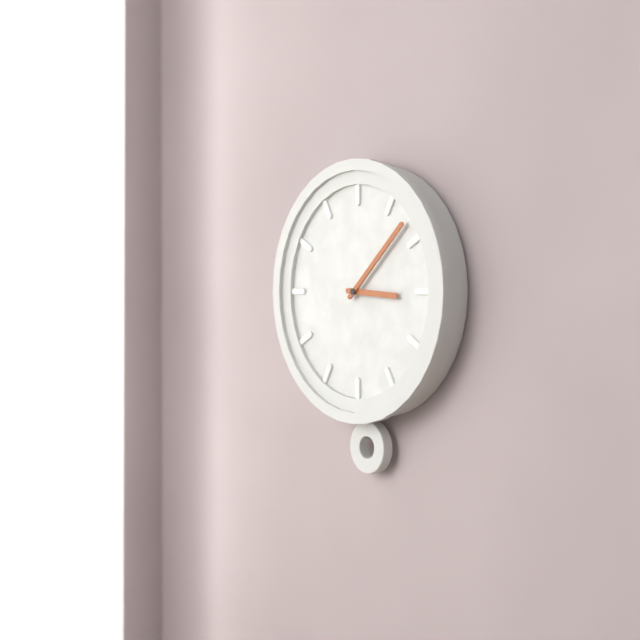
3 h 08 min
